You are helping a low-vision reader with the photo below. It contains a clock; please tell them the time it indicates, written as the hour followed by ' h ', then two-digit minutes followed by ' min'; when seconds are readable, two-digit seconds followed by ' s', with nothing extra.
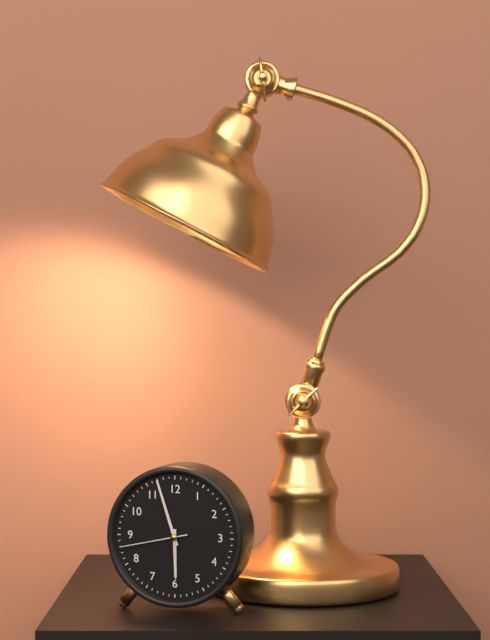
5 h 57 min 43 s
